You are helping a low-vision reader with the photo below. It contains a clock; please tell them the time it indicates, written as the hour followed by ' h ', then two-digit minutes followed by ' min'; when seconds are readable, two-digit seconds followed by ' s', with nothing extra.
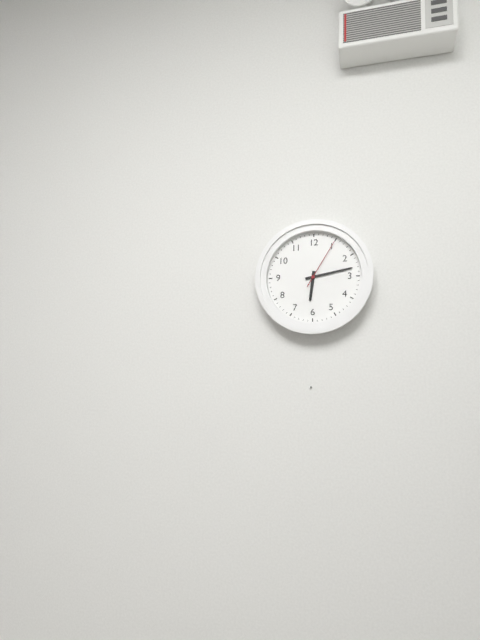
6 h 13 min 05 s
